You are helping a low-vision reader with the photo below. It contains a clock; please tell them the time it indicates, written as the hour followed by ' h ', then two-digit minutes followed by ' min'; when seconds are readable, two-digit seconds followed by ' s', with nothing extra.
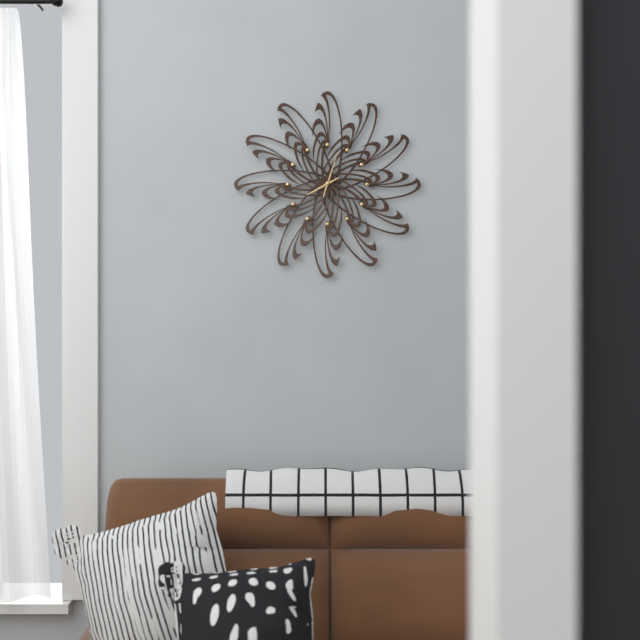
8 h 03 min
